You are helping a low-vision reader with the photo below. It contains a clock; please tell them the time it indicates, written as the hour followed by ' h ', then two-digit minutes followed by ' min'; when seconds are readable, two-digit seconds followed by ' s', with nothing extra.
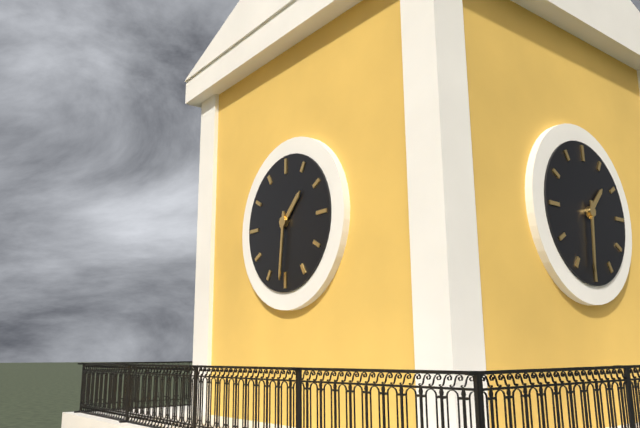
1 h 31 min
